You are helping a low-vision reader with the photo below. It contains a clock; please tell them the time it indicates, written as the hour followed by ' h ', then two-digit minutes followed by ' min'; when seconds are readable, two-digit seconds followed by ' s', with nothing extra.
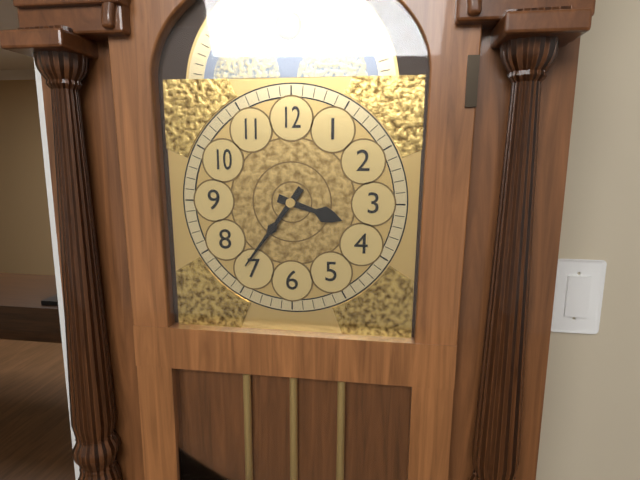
3 h 36 min
